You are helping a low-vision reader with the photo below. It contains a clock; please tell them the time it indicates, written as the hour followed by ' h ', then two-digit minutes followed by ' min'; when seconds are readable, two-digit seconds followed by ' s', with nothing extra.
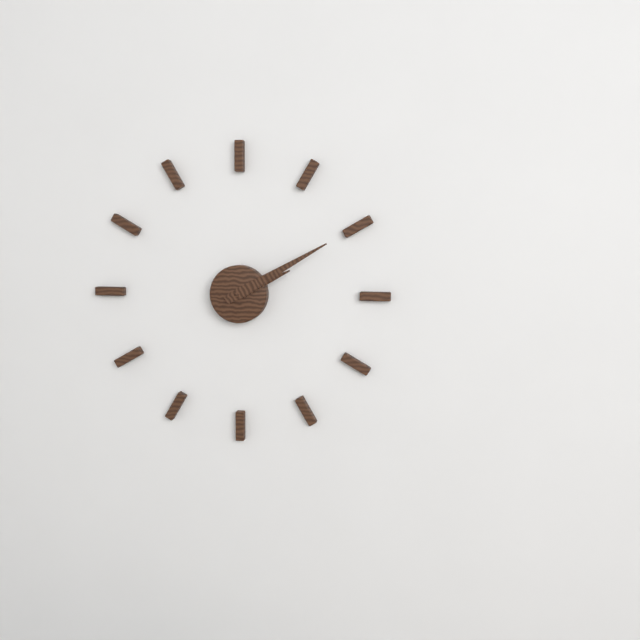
2 h 10 min
